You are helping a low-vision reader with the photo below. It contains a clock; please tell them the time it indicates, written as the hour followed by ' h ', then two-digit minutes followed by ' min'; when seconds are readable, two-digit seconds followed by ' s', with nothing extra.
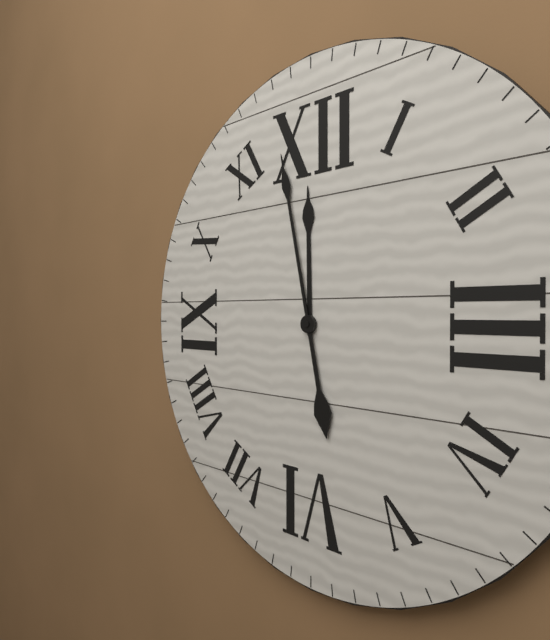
11 h 58 min
